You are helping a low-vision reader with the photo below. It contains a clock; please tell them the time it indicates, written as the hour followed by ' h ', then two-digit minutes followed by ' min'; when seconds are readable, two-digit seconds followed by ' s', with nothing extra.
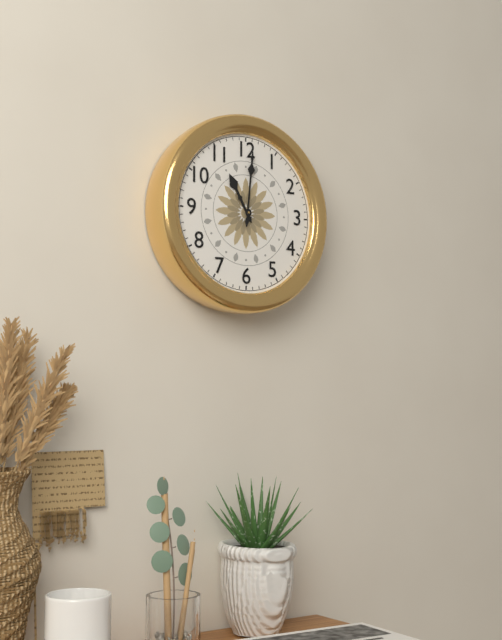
11 h 01 min
